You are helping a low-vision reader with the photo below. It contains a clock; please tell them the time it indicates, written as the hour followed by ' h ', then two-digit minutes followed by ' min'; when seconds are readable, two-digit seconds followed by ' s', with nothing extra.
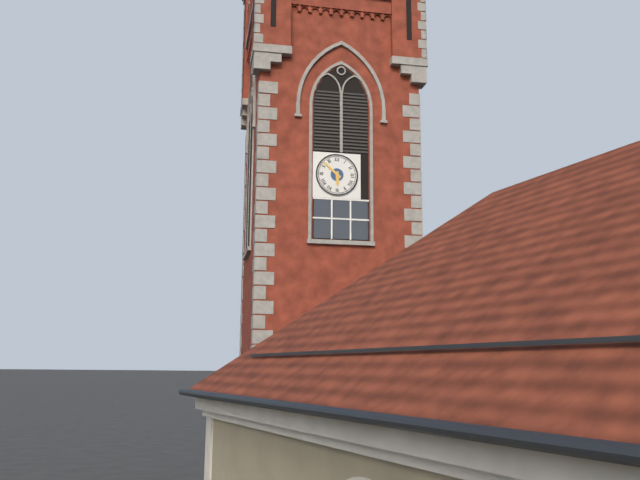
5 h 52 min
